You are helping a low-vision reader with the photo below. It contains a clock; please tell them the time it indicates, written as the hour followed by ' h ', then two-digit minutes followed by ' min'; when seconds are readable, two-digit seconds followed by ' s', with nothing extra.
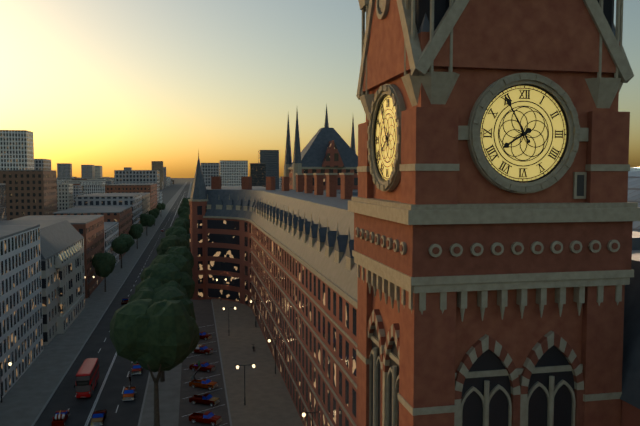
7 h 55 min
